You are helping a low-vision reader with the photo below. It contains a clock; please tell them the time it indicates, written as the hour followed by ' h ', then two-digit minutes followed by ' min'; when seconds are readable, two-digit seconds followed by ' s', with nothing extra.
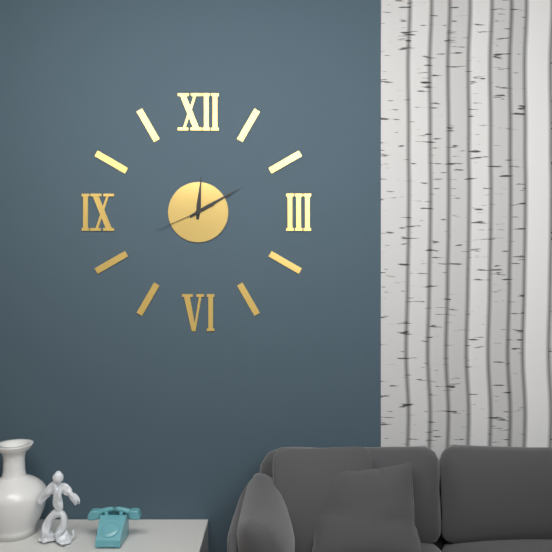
12 h 10 min 41 s
